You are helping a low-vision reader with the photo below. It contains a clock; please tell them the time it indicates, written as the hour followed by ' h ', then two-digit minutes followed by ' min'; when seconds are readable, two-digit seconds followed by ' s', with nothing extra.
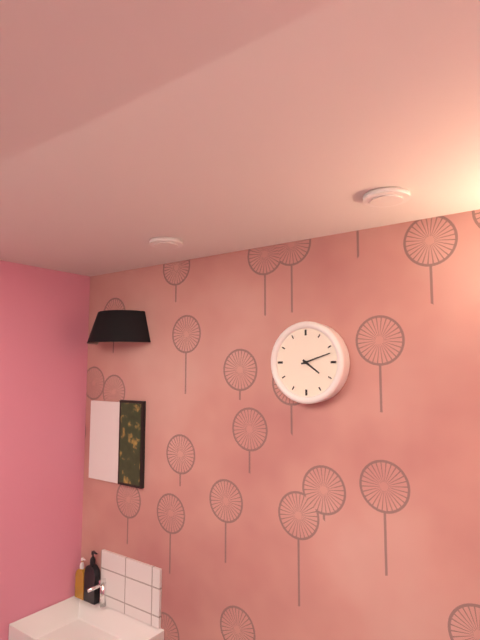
4 h 12 min
